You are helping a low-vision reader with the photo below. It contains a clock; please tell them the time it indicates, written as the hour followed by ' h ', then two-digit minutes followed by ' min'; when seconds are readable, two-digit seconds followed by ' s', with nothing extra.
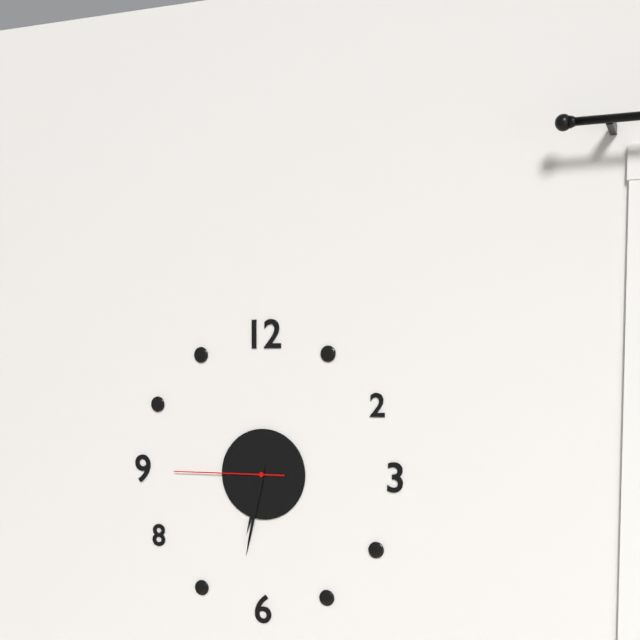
6 h 32 min 45 s
